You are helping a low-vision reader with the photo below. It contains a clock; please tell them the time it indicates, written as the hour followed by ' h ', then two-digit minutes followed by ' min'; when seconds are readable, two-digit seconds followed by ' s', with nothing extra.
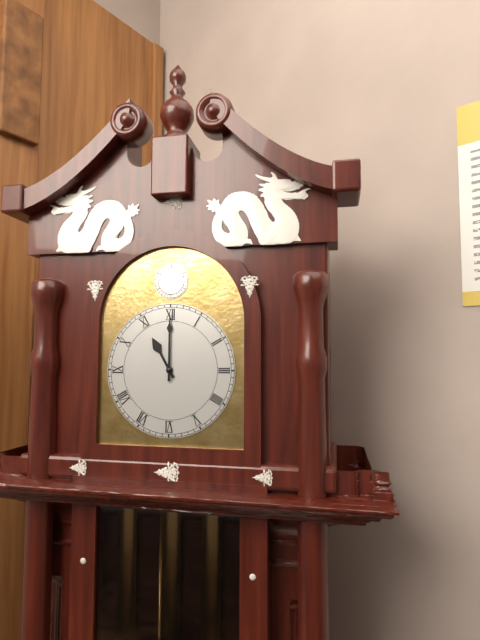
11 h 00 min
